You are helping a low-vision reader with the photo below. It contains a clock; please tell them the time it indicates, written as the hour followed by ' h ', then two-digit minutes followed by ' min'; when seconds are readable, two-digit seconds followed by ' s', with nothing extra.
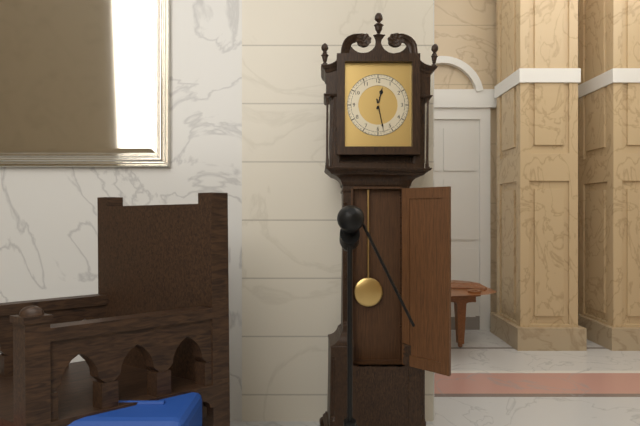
12 h 28 min
